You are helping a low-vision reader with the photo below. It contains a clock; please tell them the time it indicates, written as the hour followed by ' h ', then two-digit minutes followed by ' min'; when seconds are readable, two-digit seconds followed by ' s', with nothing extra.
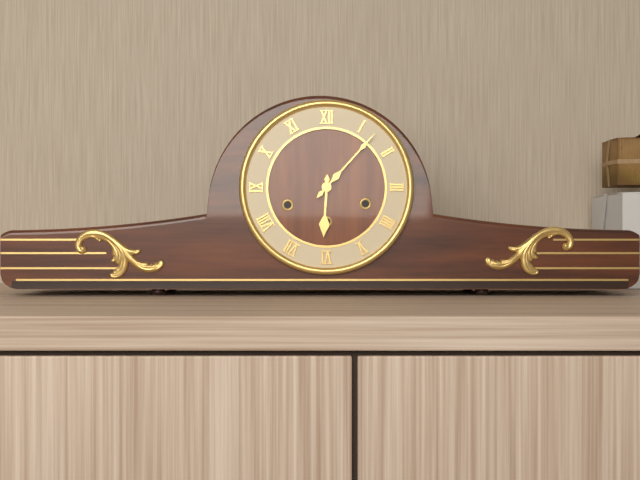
6 h 07 min
